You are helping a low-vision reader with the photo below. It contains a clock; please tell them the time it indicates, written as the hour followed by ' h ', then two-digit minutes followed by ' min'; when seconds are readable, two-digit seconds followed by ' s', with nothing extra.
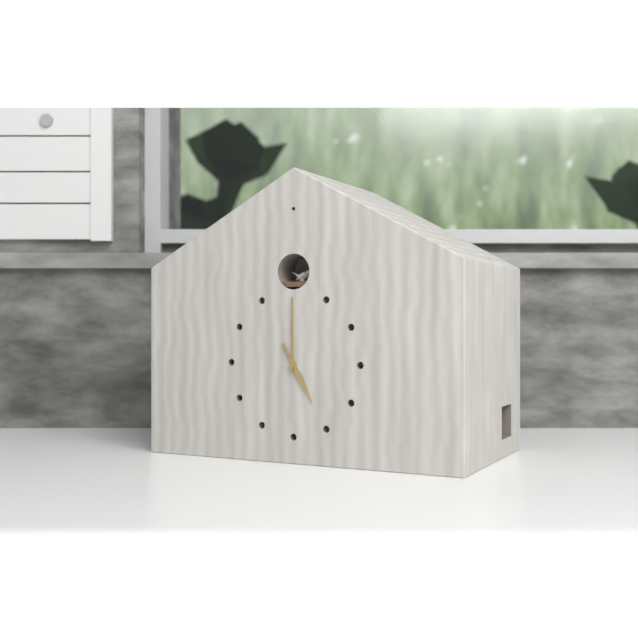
5 h 00 min
